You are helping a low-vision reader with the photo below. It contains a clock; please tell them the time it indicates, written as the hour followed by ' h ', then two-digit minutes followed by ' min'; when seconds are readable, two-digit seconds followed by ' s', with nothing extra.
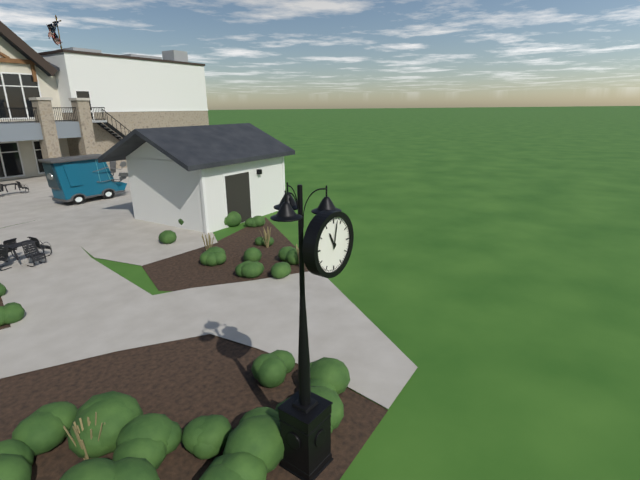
11 h 02 min
